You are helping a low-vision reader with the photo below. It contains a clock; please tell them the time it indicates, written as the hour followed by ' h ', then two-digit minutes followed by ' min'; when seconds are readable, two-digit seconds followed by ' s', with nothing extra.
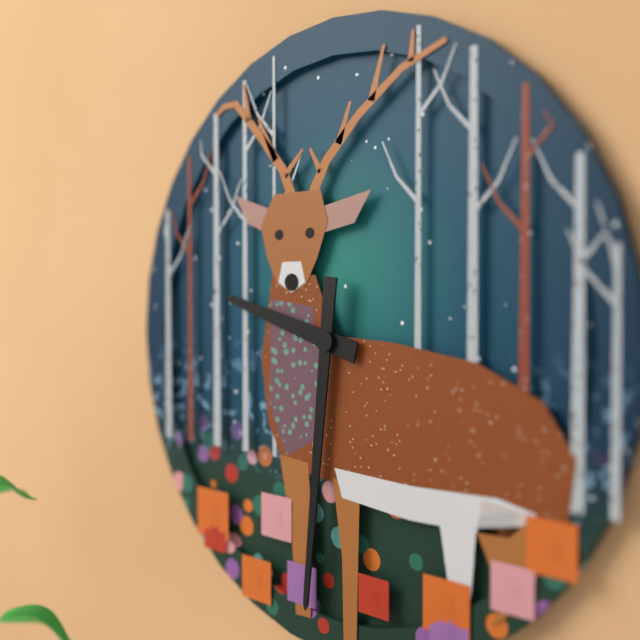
9 h 31 min
